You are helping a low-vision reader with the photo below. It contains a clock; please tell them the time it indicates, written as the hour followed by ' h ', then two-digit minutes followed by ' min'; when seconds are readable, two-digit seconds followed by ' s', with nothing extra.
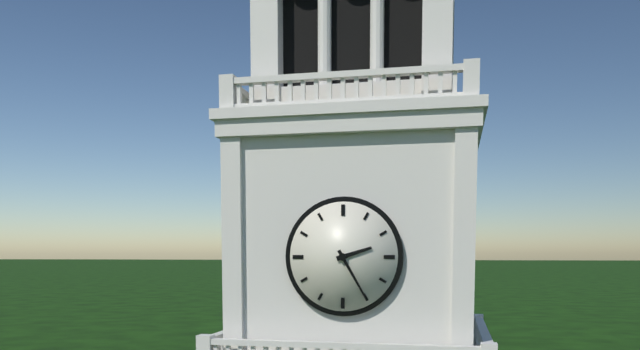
2 h 25 min
